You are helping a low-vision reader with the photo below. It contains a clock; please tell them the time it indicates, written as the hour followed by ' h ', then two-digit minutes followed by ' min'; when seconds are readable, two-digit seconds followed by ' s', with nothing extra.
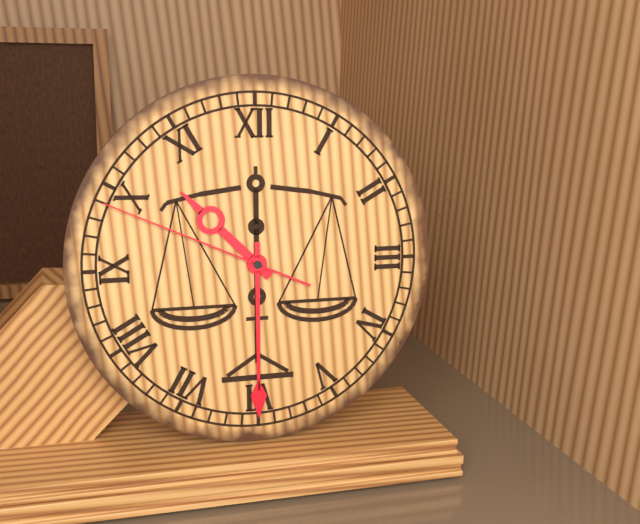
10 h 30 min 49 s
